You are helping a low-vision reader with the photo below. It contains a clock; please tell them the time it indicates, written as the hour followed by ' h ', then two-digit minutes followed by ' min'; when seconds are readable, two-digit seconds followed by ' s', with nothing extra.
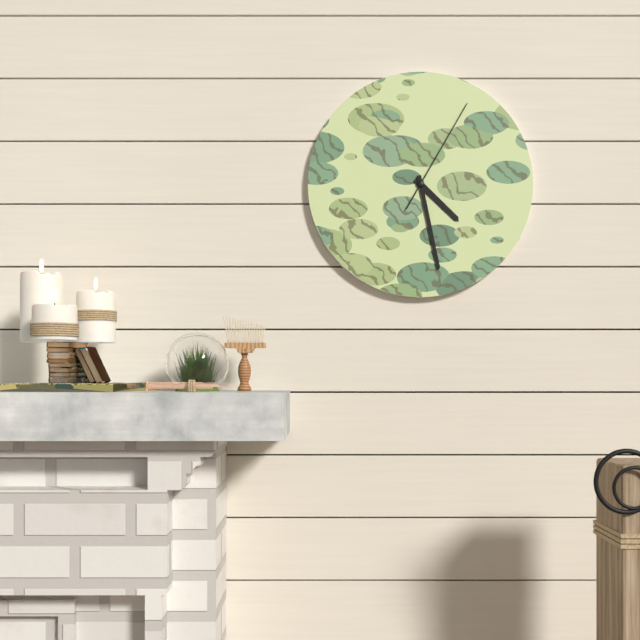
4 h 28 min 05 s
